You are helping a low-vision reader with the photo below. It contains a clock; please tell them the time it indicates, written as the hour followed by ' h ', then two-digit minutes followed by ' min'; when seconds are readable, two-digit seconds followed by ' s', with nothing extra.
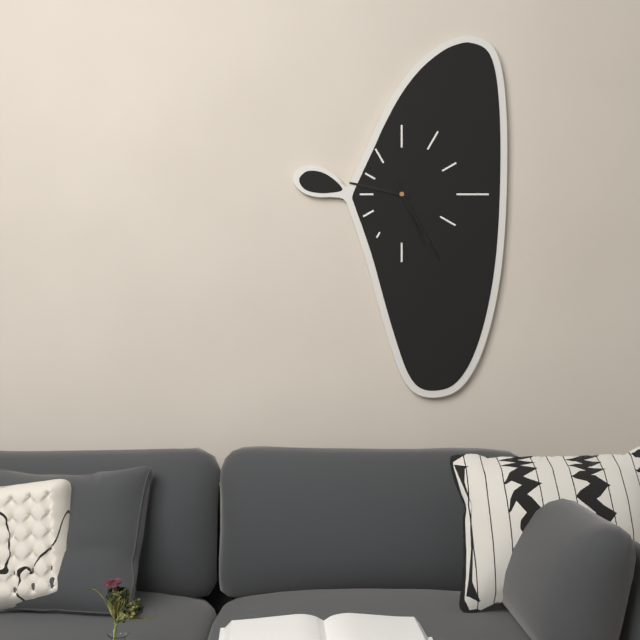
9 h 25 min 26 s
